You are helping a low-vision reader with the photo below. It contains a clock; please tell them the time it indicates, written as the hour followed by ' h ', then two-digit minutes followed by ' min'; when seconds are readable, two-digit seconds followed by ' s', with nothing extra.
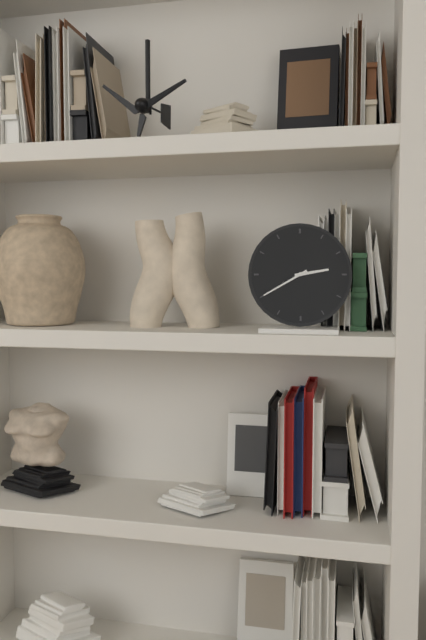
2 h 40 min
